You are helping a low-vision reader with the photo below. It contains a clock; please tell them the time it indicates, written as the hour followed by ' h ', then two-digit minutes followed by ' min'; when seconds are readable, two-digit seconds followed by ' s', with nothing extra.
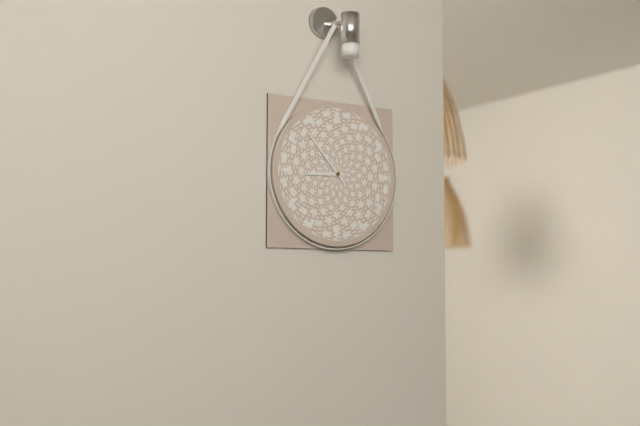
8 h 53 min
